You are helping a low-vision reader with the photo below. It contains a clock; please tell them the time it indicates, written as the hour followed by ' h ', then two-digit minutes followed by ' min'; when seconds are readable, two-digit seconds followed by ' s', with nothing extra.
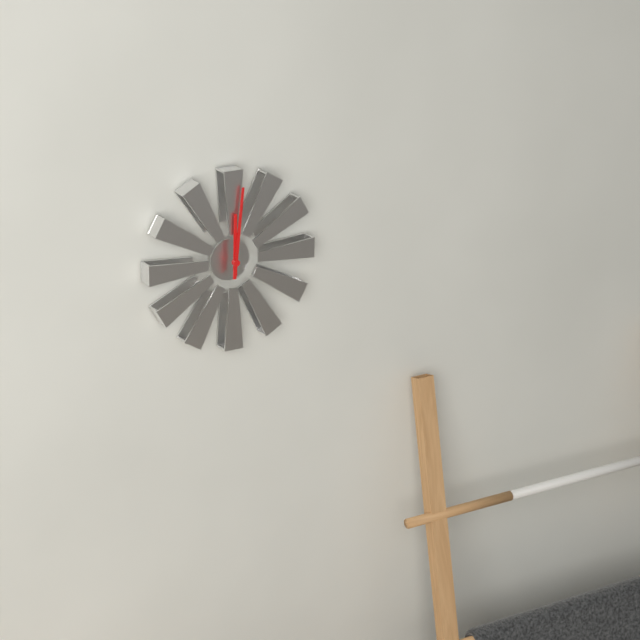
12 h 01 min
